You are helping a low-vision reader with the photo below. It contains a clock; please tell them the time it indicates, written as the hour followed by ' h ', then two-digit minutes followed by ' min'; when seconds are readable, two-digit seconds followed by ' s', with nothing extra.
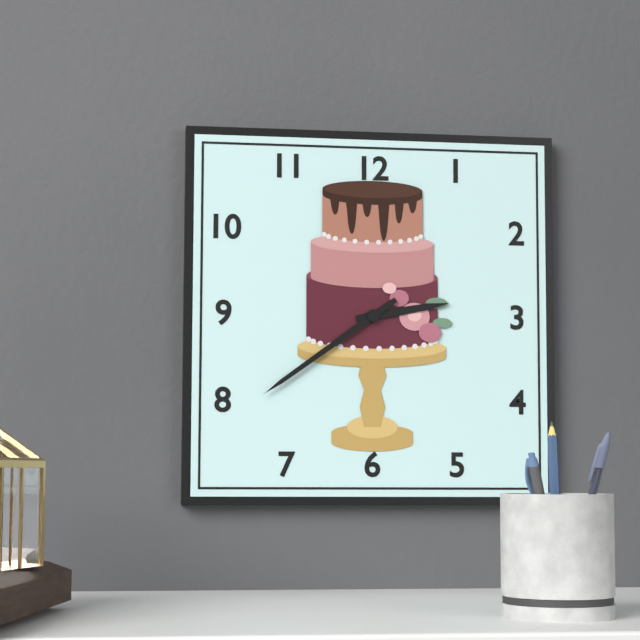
2 h 39 min
